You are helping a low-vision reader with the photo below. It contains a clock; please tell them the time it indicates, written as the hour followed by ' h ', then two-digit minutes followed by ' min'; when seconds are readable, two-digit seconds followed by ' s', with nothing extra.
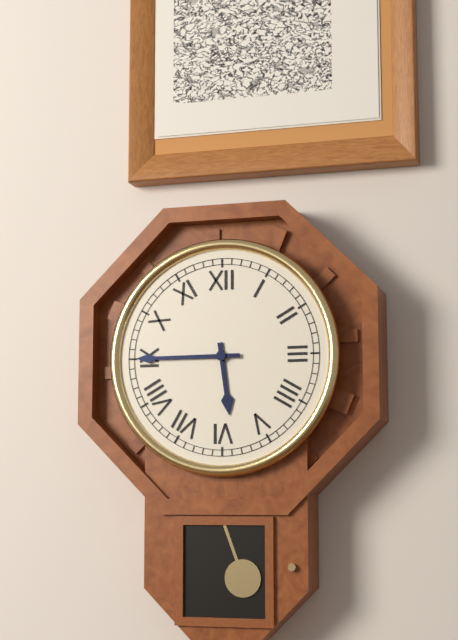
5 h 45 min
